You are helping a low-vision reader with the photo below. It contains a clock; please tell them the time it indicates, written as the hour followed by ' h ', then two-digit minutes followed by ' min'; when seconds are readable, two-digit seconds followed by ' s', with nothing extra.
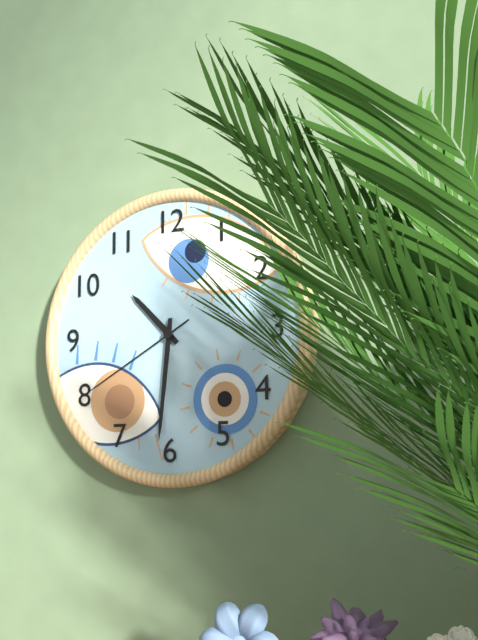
10 h 31 min 40 s
